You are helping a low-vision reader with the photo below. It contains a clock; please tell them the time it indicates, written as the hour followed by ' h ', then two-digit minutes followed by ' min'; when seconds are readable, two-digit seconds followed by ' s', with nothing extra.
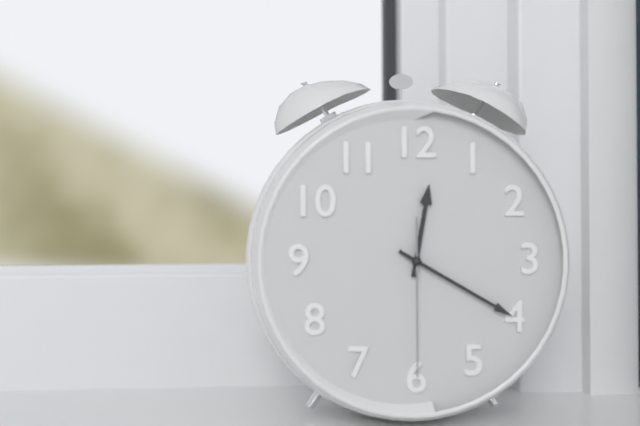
12 h 20 min 30 s
